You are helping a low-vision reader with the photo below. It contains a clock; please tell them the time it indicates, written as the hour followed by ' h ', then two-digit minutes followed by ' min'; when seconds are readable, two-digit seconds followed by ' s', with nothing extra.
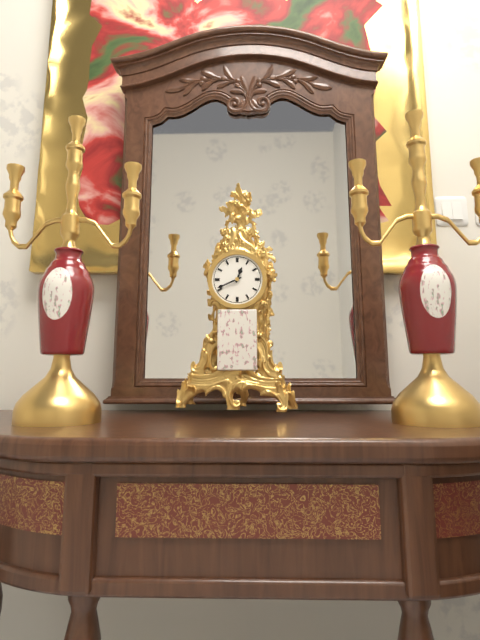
12 h 41 min
